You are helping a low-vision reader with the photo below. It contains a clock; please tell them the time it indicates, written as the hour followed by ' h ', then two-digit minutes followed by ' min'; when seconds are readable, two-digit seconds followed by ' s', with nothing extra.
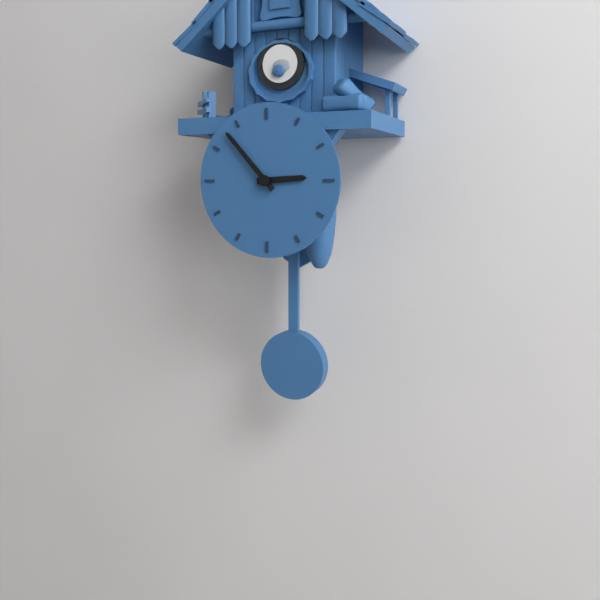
2 h 53 min
